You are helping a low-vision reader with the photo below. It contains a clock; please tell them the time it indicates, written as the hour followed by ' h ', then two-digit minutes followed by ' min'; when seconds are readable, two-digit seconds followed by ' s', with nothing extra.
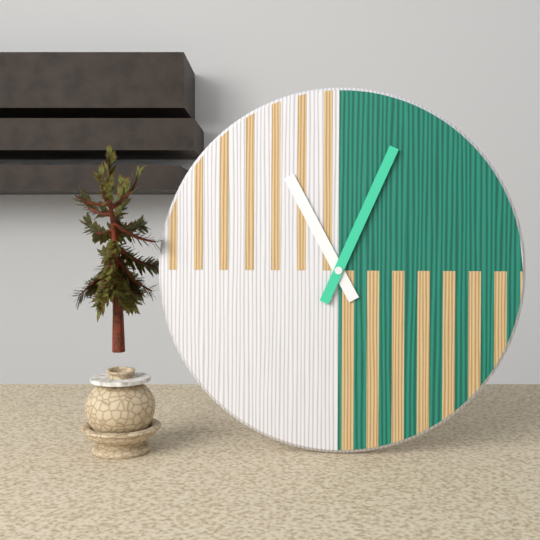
11 h 04 min
